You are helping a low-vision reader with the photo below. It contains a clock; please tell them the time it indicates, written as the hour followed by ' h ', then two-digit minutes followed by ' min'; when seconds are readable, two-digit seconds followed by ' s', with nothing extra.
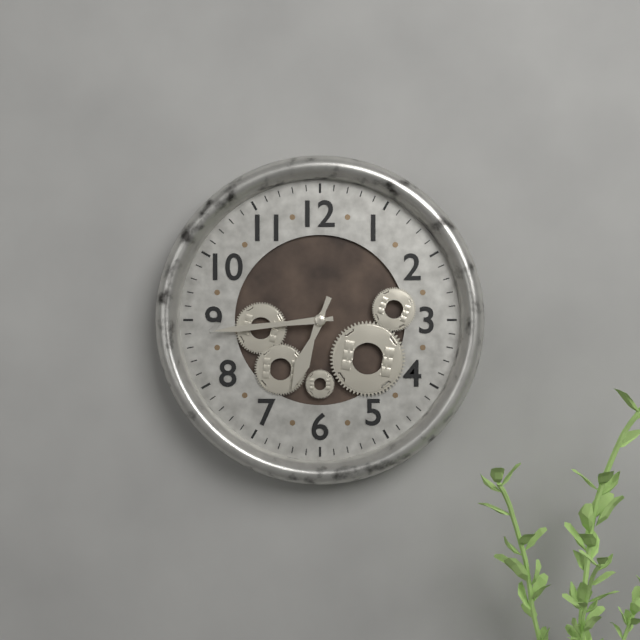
6 h 44 min
